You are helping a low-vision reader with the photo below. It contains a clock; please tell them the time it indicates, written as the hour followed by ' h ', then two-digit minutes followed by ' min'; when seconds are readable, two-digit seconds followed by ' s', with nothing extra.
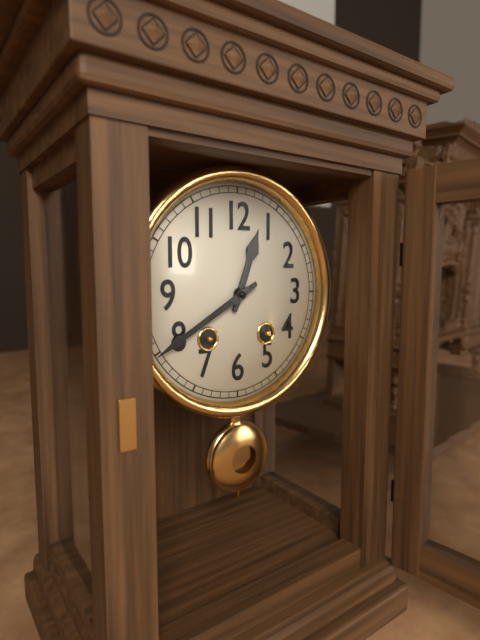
12 h 40 min
